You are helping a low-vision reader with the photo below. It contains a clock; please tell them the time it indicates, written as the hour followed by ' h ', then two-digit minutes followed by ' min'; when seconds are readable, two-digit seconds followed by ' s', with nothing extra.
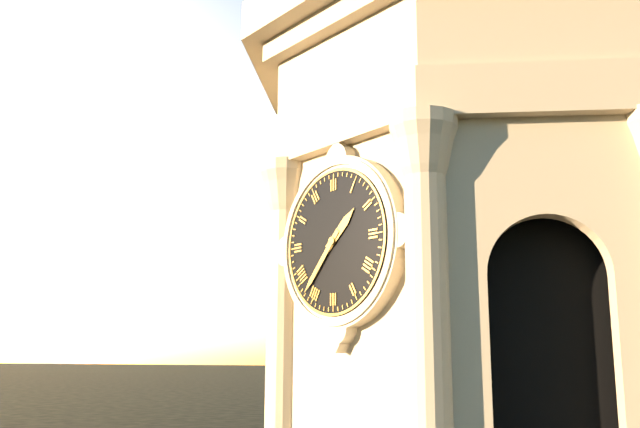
1 h 37 min
